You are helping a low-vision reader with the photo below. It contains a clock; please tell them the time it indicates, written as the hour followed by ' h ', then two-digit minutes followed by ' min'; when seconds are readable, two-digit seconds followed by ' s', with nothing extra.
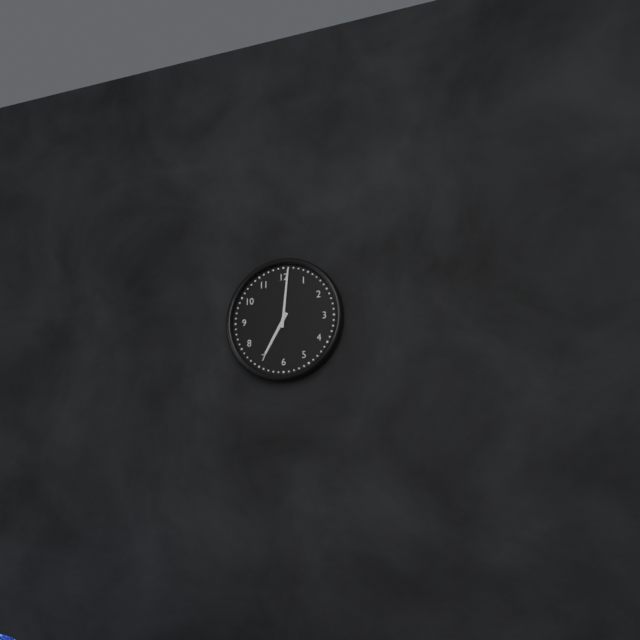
7 h 01 min
